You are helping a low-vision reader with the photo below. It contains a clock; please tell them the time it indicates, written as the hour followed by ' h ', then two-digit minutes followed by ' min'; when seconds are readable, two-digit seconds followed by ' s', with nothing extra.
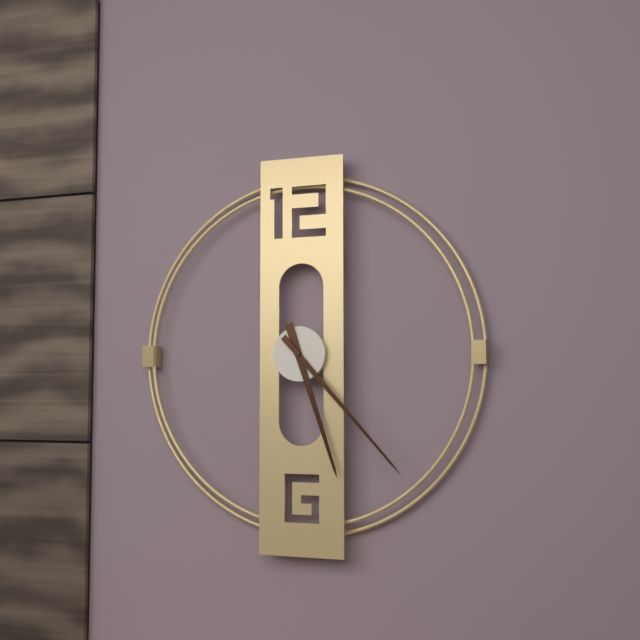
5 h 23 min
